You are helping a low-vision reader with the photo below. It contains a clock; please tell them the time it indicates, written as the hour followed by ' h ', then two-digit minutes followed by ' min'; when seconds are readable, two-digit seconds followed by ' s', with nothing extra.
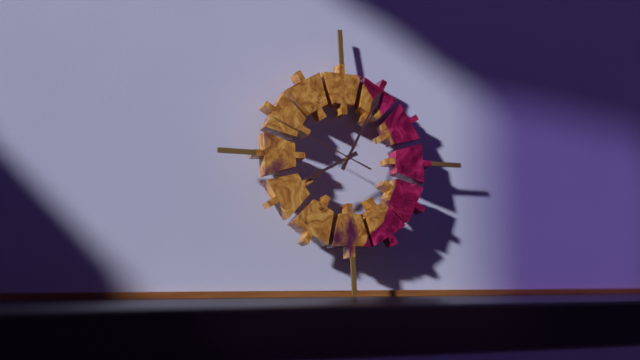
8 h 05 min 49 s
